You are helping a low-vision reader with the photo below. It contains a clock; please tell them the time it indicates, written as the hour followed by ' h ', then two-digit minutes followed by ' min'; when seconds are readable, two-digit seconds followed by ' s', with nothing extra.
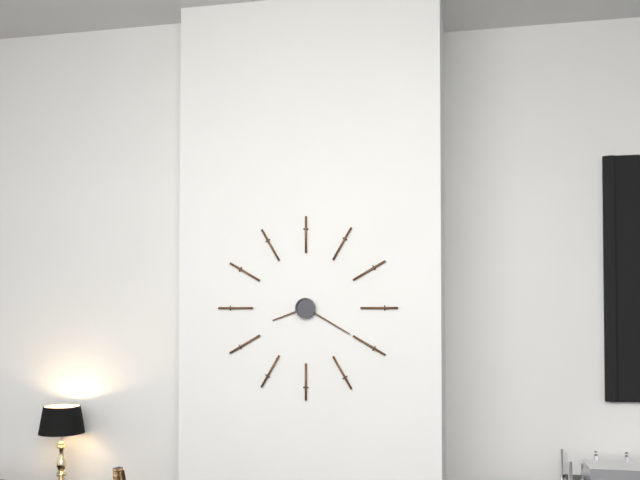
8 h 20 min
